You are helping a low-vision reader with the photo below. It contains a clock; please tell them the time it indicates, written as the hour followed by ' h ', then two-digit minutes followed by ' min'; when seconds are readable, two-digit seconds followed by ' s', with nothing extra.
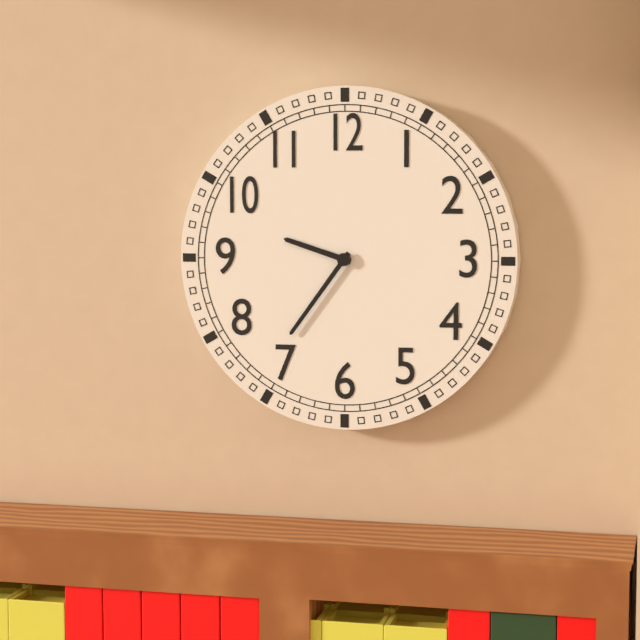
9 h 36 min
